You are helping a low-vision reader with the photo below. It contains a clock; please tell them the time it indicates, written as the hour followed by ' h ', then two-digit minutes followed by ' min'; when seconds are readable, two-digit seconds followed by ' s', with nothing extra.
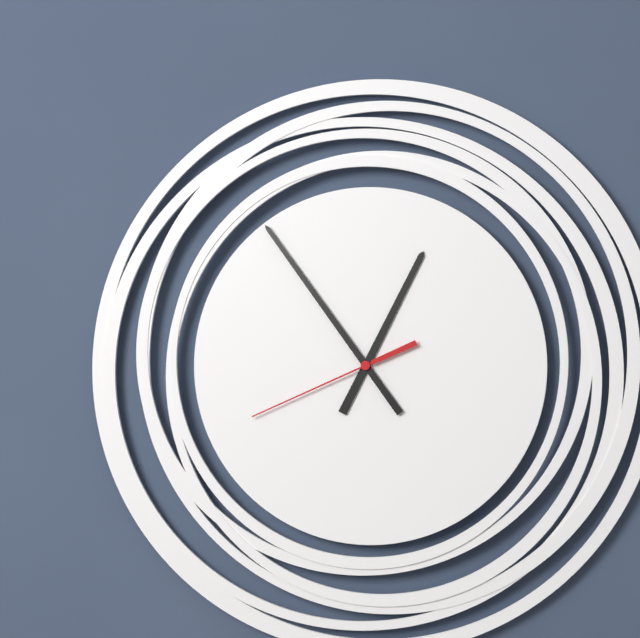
12 h 54 min 41 s
